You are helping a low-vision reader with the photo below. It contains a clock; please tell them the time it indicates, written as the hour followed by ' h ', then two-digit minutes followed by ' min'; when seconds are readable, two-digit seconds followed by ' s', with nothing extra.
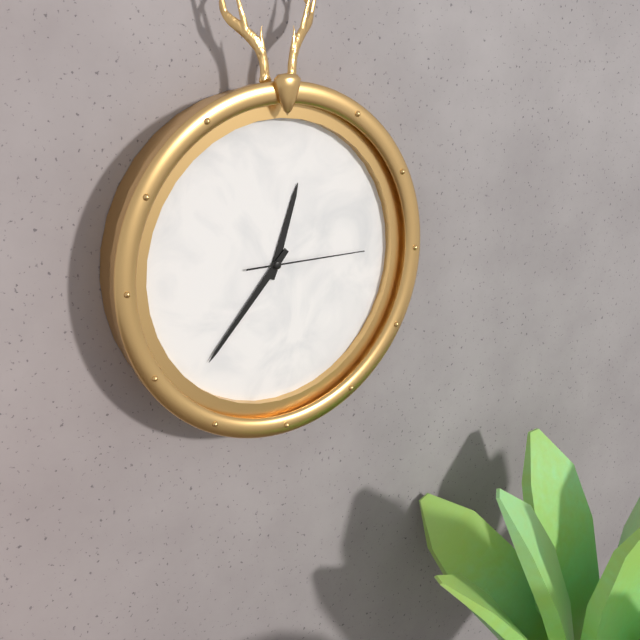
12 h 37 min 15 s
